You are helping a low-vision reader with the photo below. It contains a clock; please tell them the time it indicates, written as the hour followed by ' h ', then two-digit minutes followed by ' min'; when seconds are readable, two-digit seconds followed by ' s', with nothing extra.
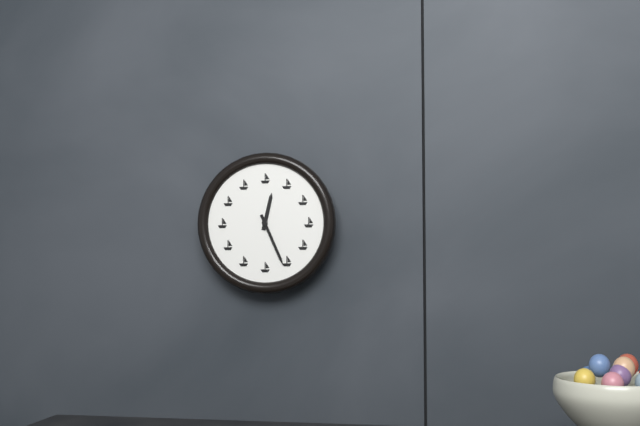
12 h 26 min
